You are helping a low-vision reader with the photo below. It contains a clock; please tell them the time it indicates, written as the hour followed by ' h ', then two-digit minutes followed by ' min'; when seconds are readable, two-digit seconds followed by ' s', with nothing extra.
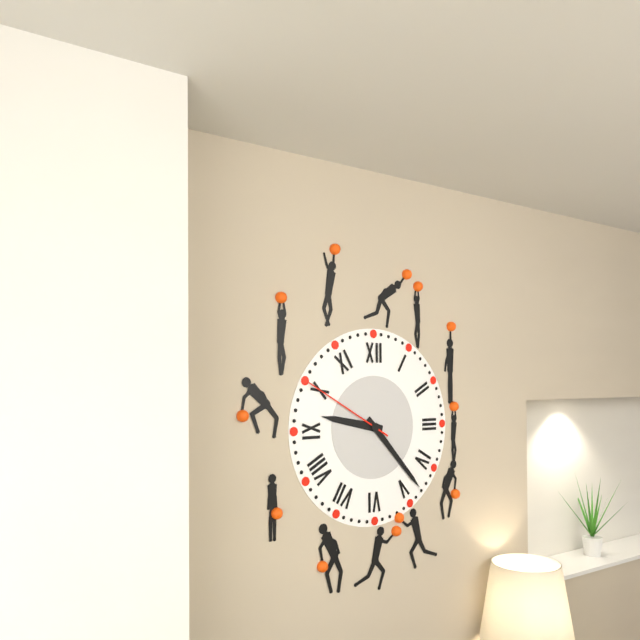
9 h 23 min 50 s
